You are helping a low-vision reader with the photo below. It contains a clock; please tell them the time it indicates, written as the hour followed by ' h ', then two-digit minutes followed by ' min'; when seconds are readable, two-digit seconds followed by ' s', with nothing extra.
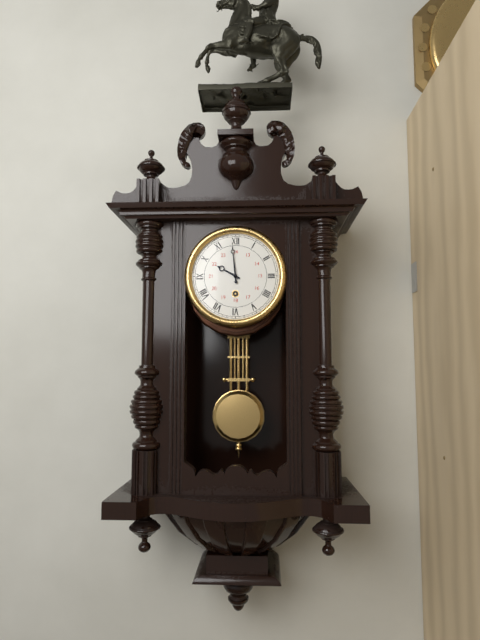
9 h 59 min
